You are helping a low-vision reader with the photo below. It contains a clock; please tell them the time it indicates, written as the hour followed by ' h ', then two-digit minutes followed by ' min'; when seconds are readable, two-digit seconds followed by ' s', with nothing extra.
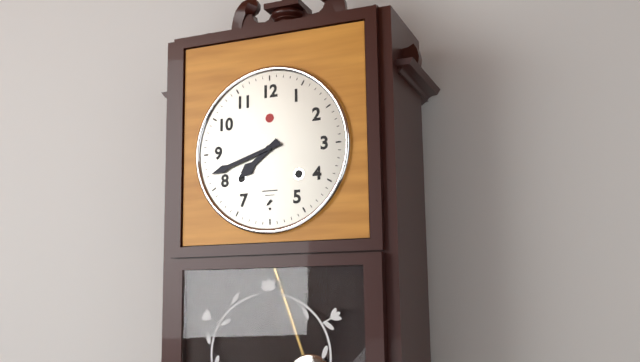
7 h 42 min
